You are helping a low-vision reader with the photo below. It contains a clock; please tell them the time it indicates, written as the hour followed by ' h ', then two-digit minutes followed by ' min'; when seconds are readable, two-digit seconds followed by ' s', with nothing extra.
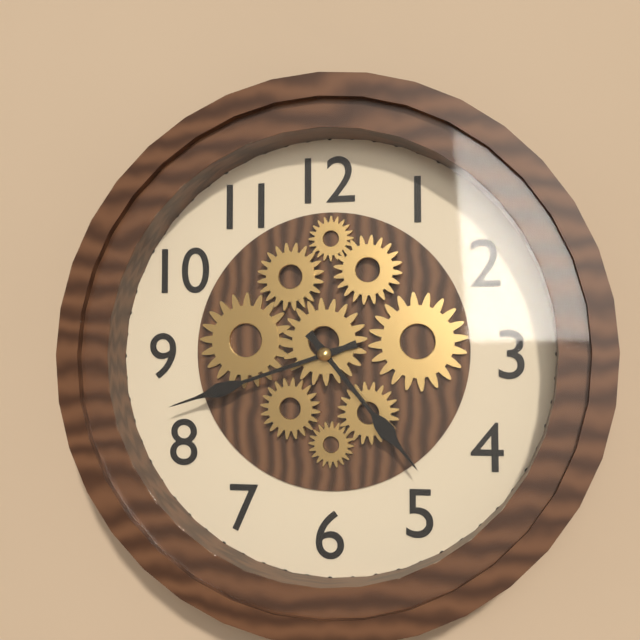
4 h 42 min
